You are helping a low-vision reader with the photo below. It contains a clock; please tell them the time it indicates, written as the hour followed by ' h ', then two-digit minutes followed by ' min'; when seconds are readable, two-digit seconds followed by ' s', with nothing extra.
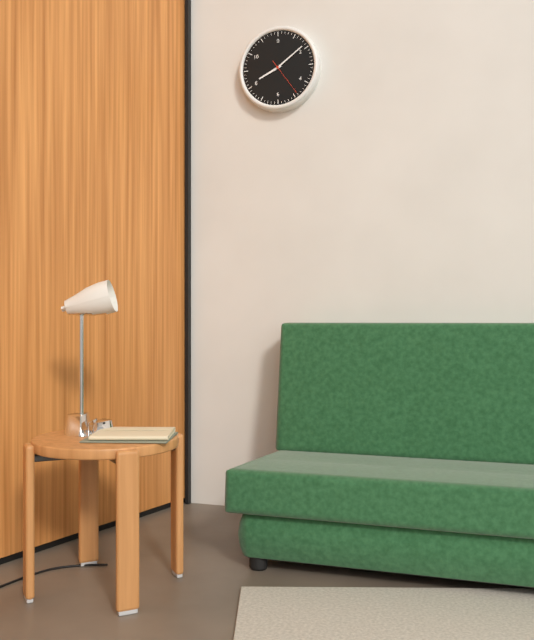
8 h 09 min
